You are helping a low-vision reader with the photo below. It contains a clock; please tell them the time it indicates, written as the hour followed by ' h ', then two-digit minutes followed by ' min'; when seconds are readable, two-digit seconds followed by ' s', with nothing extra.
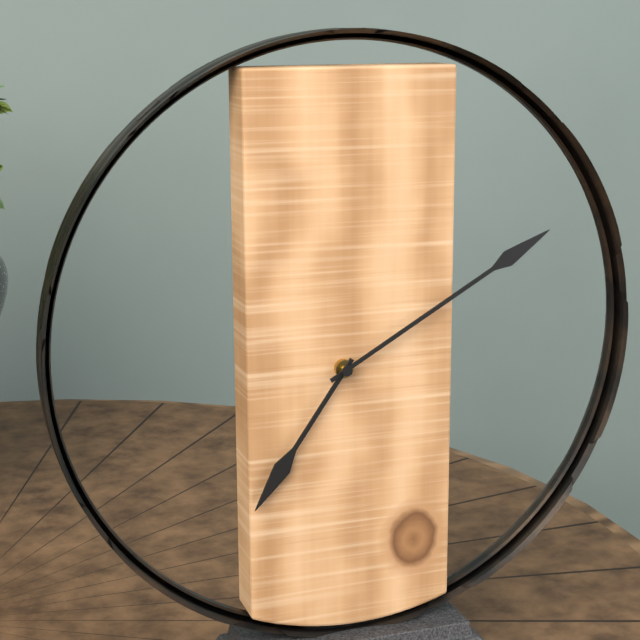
7 h 10 min
